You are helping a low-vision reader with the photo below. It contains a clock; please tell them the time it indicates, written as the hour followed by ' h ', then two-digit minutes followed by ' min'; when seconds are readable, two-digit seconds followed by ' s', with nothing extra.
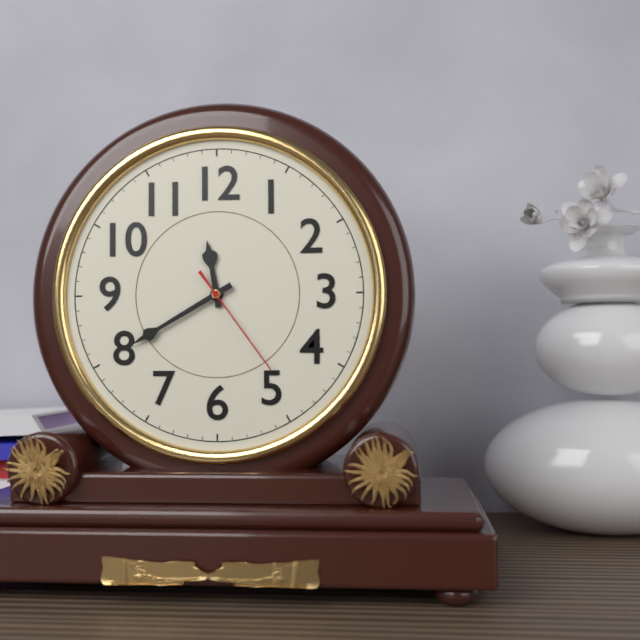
11 h 40 min 24 s
